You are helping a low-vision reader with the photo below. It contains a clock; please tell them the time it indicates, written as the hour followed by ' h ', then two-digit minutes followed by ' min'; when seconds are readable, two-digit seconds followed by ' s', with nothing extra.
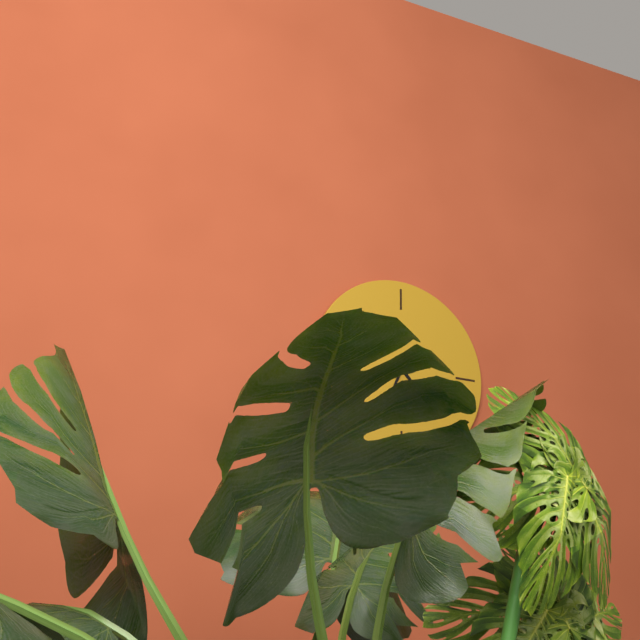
4 h 34 min
